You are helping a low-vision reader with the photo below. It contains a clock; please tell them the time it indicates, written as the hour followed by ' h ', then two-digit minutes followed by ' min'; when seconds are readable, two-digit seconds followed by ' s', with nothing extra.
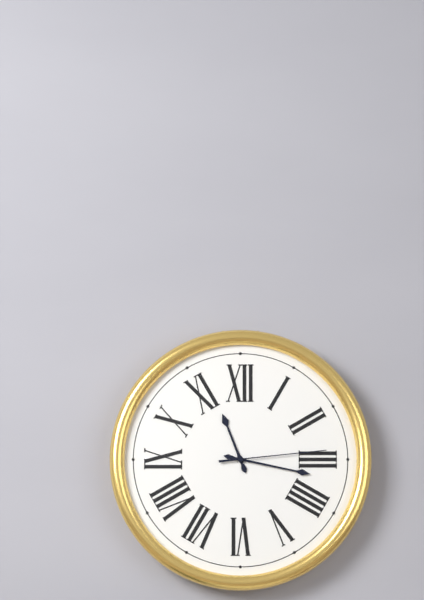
11 h 17 min 14 s
